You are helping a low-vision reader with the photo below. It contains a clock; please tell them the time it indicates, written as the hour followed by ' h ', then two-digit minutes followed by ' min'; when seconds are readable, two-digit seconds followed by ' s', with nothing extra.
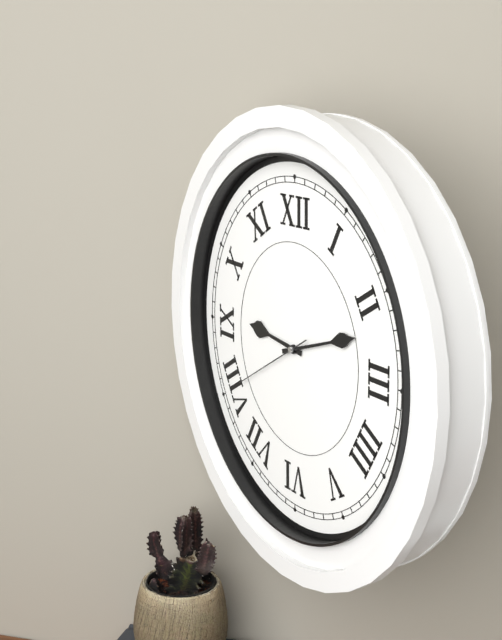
9 h 12 min 40 s
